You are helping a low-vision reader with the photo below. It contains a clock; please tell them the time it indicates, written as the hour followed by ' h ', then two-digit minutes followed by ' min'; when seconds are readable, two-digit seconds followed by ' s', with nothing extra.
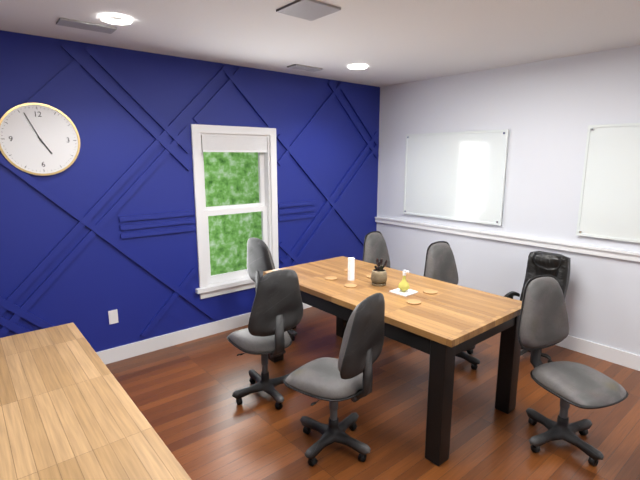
4 h 56 min
